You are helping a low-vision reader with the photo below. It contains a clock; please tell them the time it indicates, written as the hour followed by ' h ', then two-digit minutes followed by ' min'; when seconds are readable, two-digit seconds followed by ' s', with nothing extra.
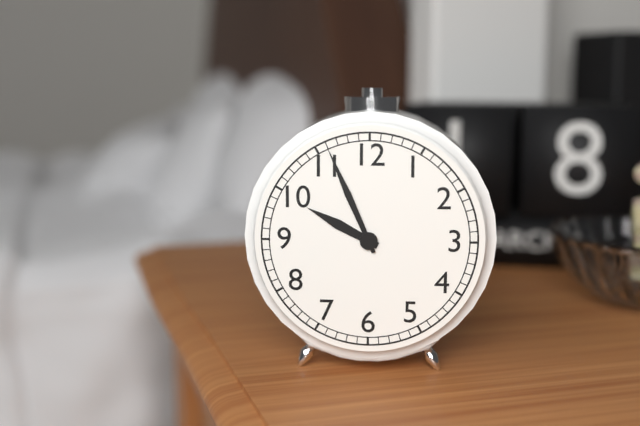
9 h 56 min
